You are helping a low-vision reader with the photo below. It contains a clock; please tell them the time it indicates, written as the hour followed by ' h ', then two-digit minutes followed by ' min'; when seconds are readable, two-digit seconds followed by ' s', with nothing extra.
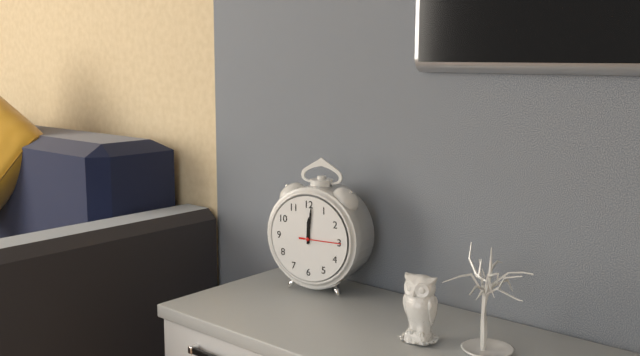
12 h 01 min
